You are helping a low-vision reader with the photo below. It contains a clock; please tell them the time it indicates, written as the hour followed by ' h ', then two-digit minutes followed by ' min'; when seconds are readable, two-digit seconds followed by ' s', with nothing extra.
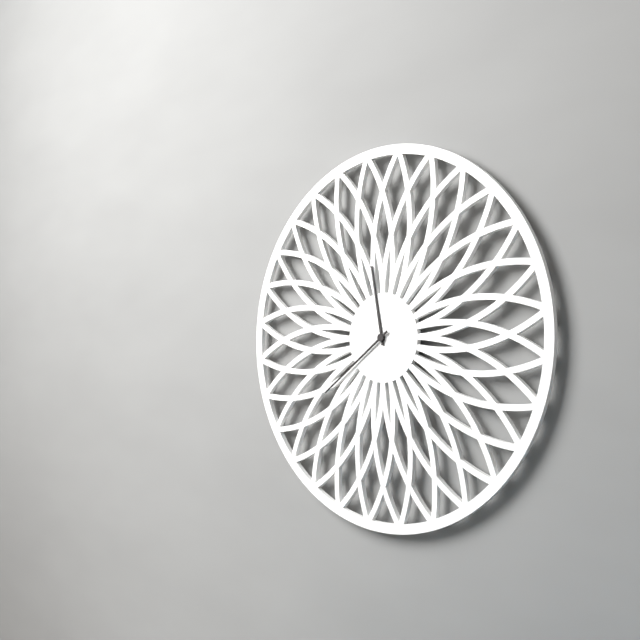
11 h 39 min
